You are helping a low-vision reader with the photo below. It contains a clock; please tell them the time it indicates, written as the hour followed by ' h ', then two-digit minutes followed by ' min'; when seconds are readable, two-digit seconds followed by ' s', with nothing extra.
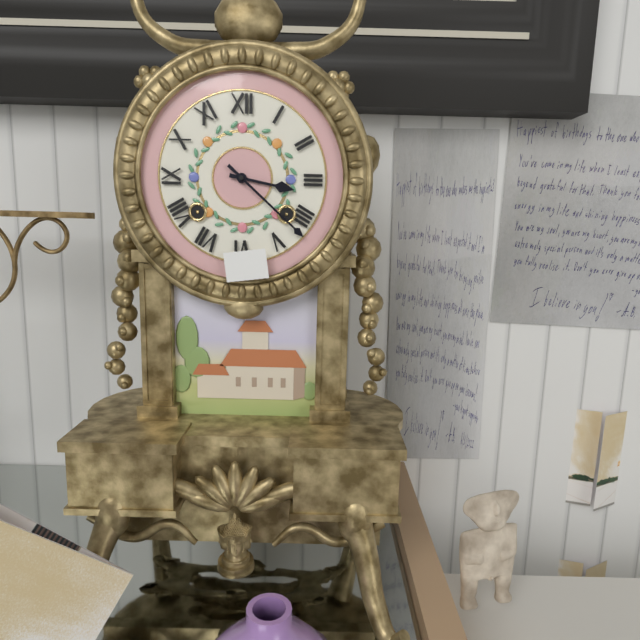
3 h 22 min
